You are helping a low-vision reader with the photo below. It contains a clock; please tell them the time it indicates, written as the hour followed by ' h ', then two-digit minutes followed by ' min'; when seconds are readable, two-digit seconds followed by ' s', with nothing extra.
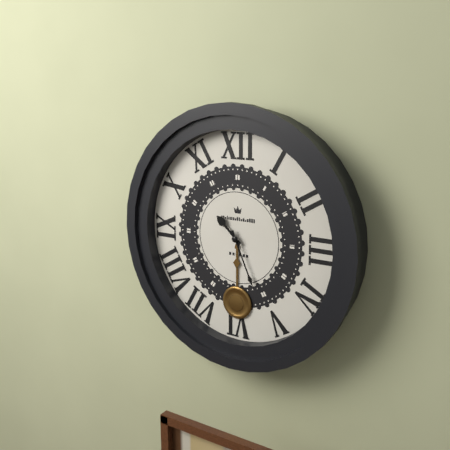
10 h 26 min
